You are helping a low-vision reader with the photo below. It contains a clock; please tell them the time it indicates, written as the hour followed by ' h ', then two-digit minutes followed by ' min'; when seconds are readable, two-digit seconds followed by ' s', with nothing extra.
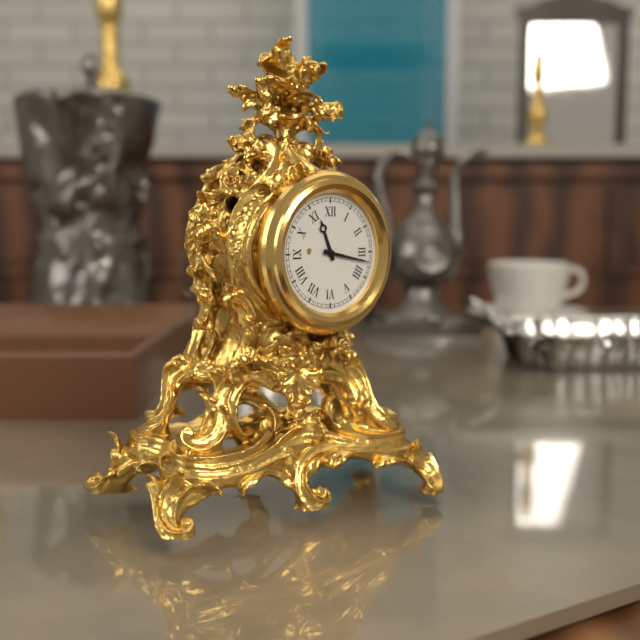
11 h 17 min
